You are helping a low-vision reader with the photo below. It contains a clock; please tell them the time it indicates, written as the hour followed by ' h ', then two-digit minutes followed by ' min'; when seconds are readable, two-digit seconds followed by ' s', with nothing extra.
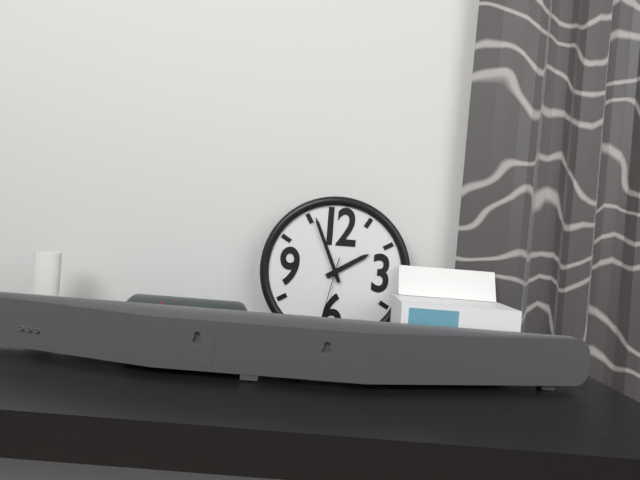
1 h 56 min 32 s
